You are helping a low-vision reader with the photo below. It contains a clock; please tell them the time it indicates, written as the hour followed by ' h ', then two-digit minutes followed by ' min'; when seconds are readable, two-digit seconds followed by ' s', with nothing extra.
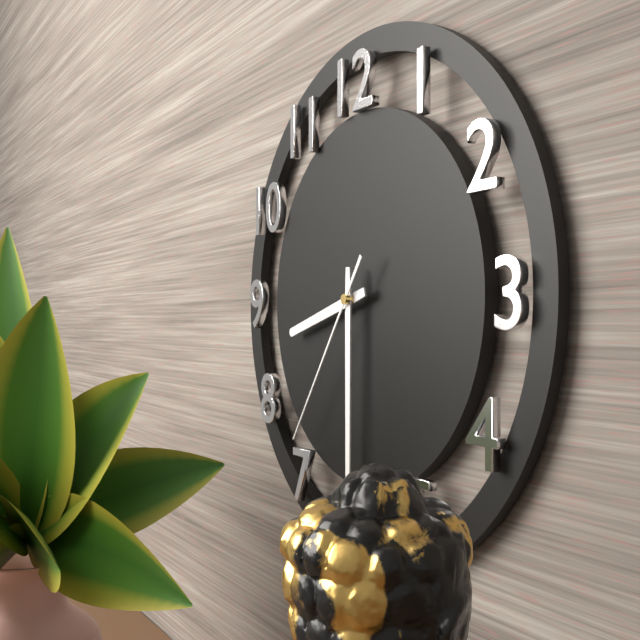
8 h 30 min 36 s
